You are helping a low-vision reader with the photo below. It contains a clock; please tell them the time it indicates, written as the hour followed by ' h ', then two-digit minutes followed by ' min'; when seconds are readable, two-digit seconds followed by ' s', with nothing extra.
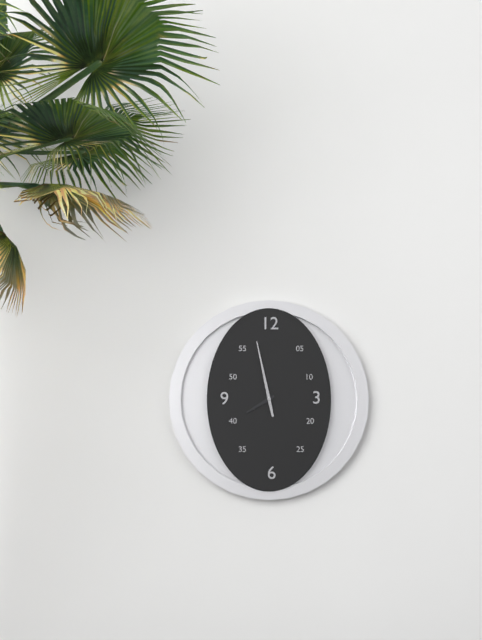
7 h 58 min
